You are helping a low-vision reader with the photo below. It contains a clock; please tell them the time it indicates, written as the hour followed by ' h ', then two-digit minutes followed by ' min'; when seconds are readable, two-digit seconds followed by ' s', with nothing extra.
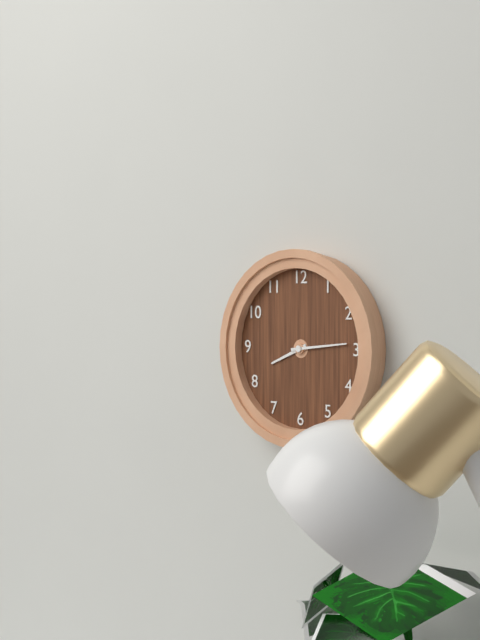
8 h 14 min
